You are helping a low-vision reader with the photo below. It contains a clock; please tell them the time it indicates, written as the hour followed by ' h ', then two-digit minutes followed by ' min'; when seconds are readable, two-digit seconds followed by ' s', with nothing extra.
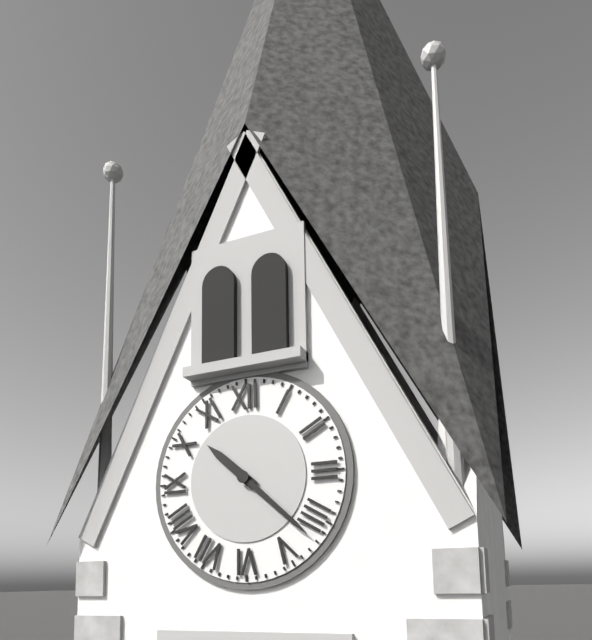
10 h 22 min
